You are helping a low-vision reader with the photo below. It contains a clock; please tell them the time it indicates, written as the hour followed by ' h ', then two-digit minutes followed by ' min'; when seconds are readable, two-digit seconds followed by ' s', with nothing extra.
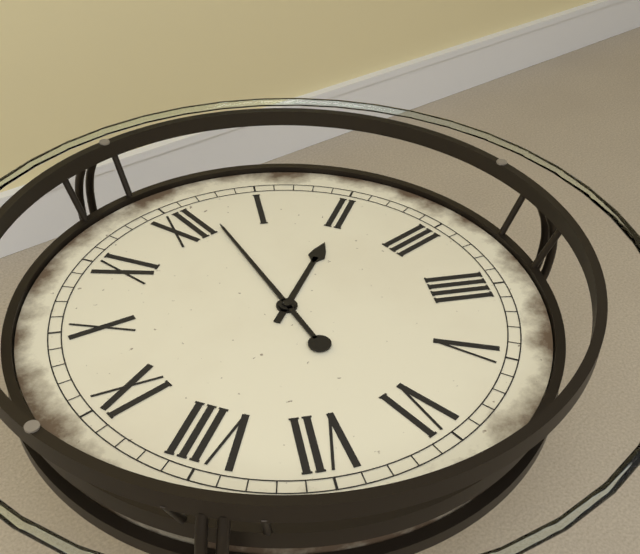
2 h 02 min
